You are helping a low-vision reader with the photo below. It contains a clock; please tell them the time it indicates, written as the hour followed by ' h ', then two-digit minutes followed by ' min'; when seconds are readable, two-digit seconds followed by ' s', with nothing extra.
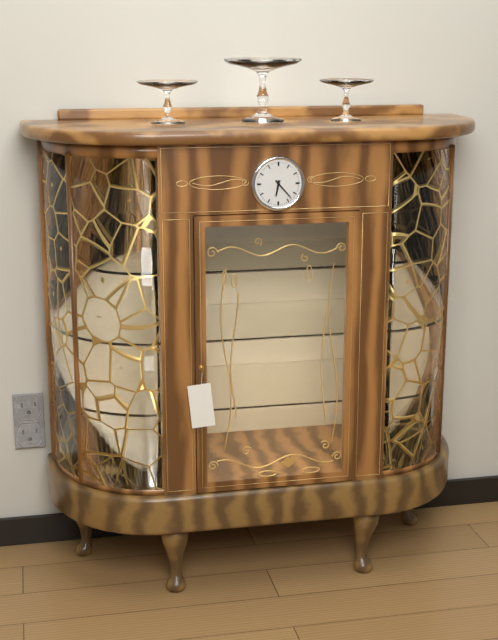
6 h 23 min
